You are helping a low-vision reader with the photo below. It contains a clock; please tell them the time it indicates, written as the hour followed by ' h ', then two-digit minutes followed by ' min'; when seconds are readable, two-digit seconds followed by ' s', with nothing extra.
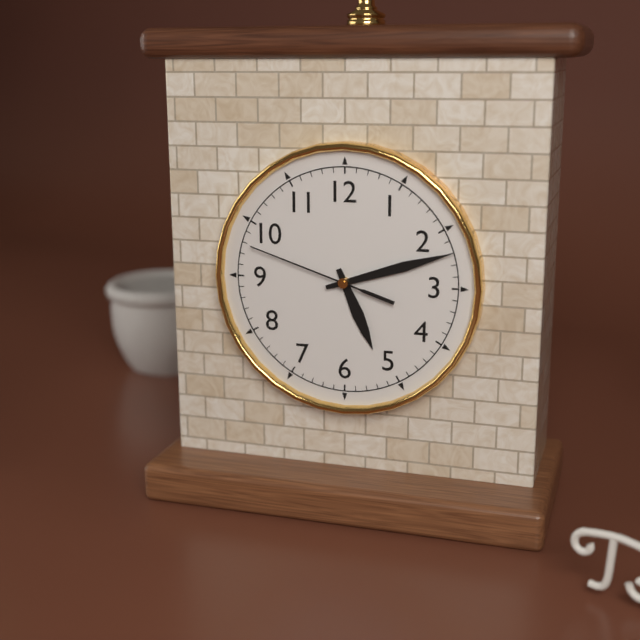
5 h 12 min 48 s
